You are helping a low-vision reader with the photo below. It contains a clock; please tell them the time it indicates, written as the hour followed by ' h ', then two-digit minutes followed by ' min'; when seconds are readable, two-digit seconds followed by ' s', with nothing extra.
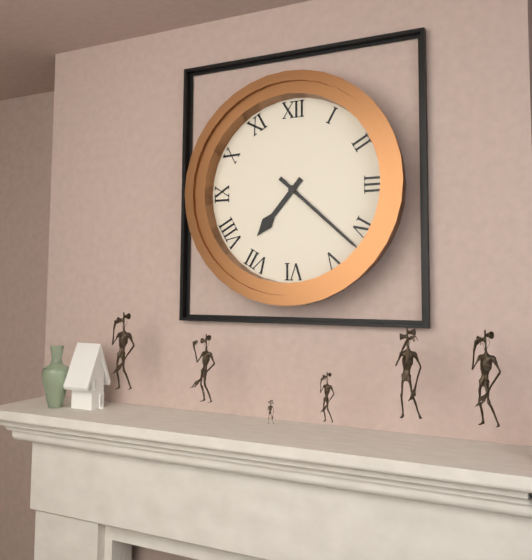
7 h 22 min
